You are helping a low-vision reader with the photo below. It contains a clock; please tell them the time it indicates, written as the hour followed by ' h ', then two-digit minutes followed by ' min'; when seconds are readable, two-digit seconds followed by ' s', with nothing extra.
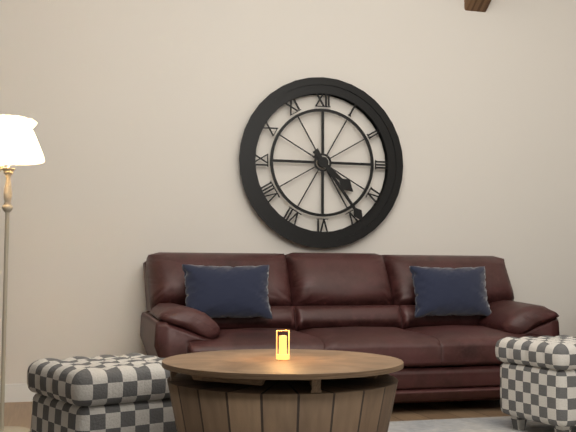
4 h 24 min
